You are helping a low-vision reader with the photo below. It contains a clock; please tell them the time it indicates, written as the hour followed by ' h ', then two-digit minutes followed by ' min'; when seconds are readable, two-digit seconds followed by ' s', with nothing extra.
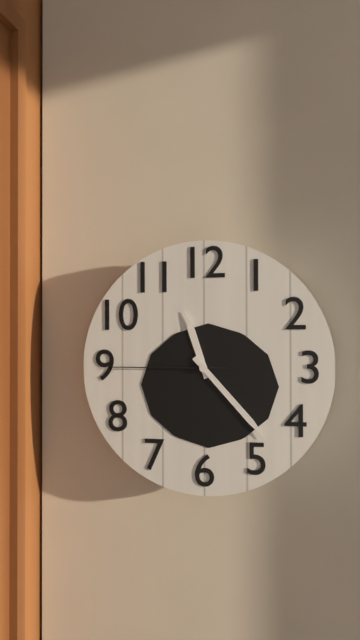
11 h 23 min 45 s
